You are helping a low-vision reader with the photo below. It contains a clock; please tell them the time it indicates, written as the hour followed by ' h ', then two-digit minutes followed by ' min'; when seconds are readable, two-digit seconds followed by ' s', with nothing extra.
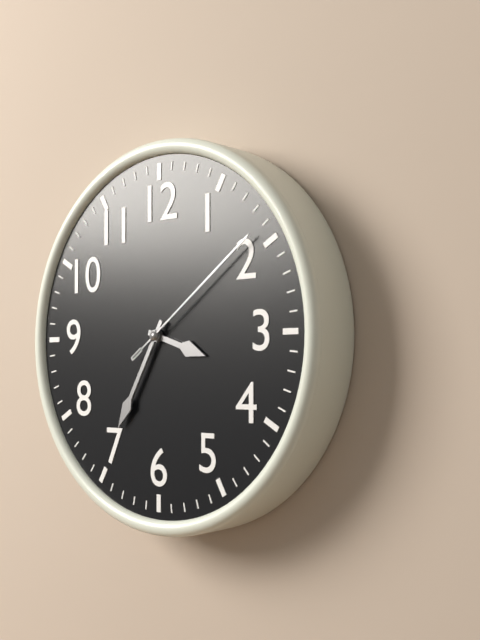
3 h 35 min 09 s
